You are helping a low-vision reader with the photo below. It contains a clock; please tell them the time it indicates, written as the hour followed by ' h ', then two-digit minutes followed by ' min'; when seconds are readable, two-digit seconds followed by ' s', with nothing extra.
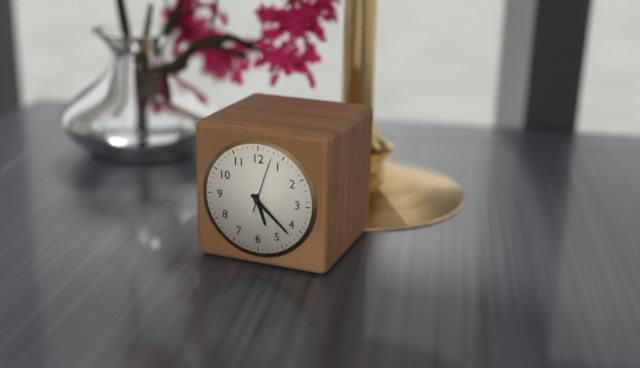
5 h 22 min 03 s
